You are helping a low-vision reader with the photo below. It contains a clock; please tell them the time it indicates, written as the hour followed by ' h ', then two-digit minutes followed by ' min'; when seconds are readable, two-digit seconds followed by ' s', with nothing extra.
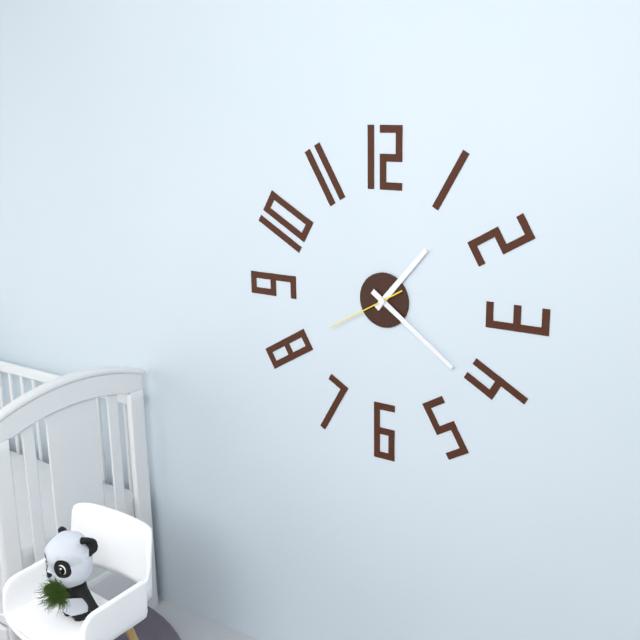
1 h 21 min 40 s
